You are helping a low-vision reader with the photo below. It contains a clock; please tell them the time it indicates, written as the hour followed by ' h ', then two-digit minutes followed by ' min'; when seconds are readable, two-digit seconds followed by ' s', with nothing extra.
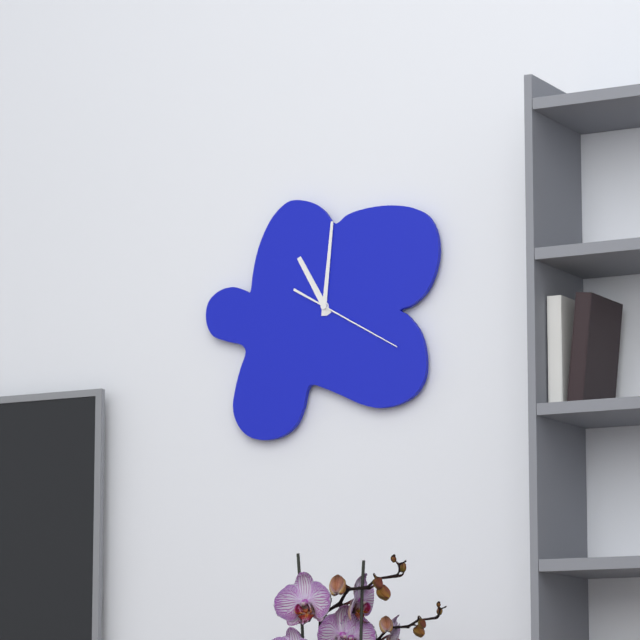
11 h 01 min 20 s
